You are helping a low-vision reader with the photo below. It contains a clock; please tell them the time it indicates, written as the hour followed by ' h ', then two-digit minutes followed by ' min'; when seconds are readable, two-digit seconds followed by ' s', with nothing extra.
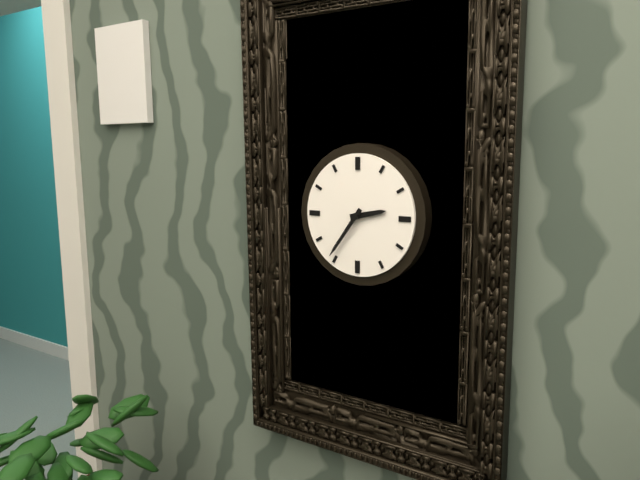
2 h 36 min
